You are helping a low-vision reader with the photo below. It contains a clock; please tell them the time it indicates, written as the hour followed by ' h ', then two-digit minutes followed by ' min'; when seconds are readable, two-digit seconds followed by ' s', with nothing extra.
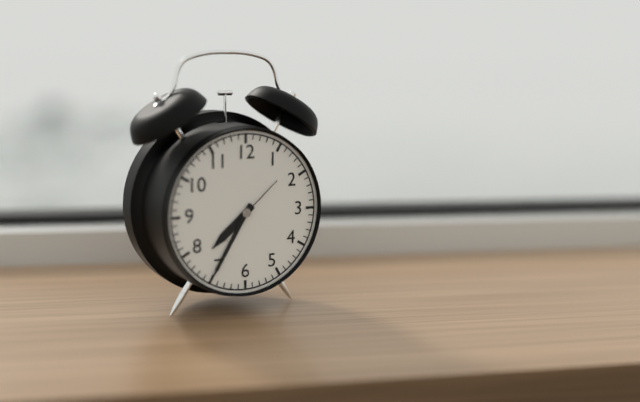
7 h 35 min 08 s
